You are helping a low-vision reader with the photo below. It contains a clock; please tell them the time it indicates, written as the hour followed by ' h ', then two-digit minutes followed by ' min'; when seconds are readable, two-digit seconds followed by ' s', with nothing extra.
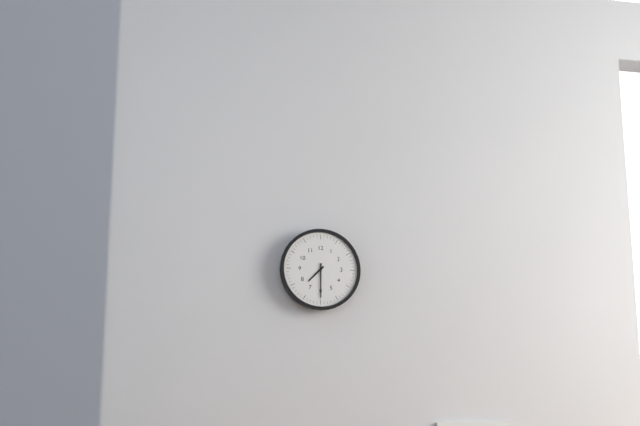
7 h 30 min
